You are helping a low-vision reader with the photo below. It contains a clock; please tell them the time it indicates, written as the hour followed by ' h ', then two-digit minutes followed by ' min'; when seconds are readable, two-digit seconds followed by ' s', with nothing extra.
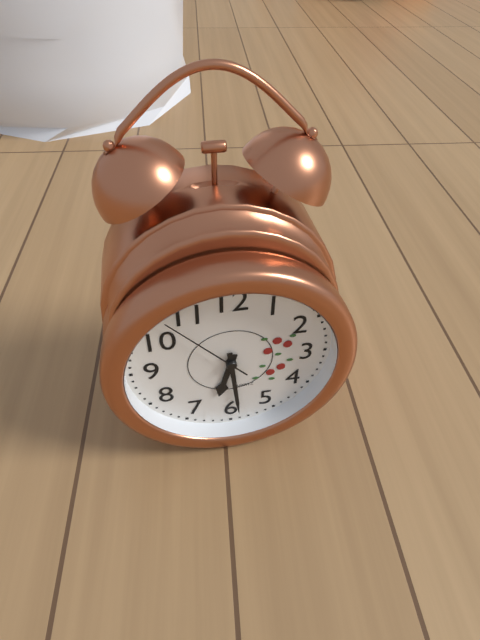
6 h 29 min 53 s
